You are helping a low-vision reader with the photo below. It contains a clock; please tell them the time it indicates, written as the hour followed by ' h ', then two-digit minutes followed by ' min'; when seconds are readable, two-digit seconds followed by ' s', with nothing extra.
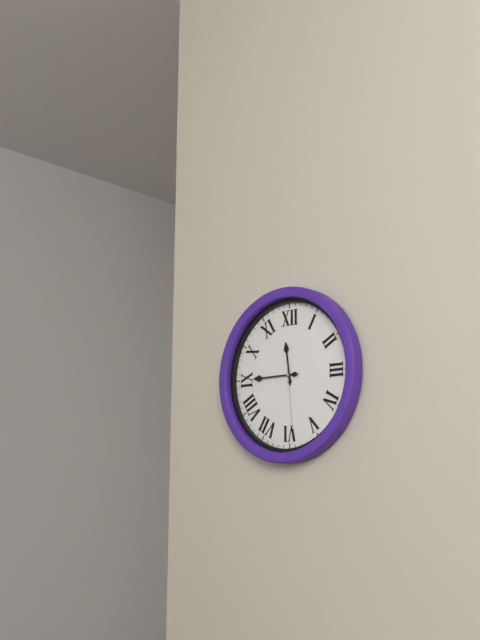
11 h 45 min 29 s
